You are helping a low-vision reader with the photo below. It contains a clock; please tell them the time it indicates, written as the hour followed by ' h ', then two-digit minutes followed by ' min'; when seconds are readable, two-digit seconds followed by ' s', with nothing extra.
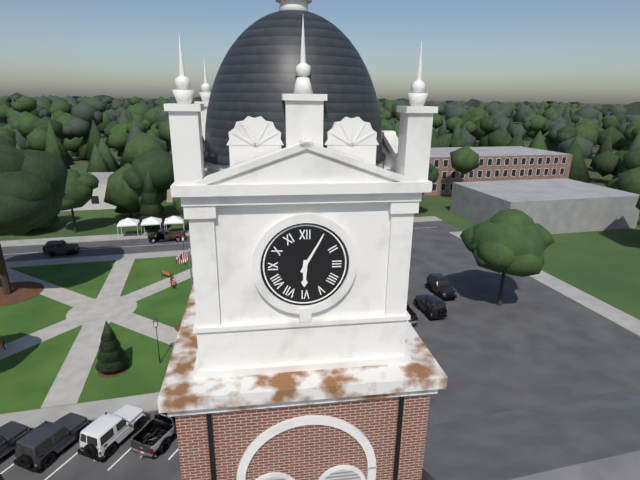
6 h 05 min
